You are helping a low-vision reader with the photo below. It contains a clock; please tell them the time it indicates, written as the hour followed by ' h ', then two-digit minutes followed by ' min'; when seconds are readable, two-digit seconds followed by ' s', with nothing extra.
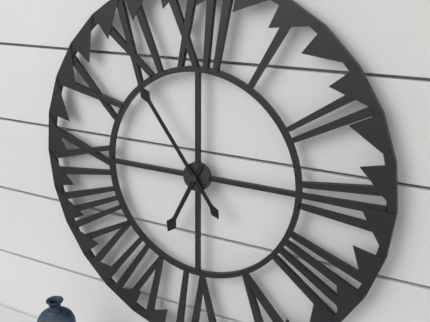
6 h 54 min
